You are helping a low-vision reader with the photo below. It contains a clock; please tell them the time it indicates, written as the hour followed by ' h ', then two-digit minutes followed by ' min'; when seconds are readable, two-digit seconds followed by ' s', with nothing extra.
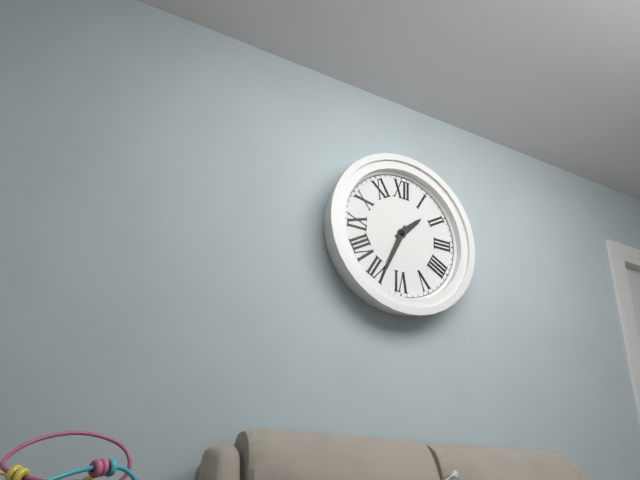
1 h 34 min
